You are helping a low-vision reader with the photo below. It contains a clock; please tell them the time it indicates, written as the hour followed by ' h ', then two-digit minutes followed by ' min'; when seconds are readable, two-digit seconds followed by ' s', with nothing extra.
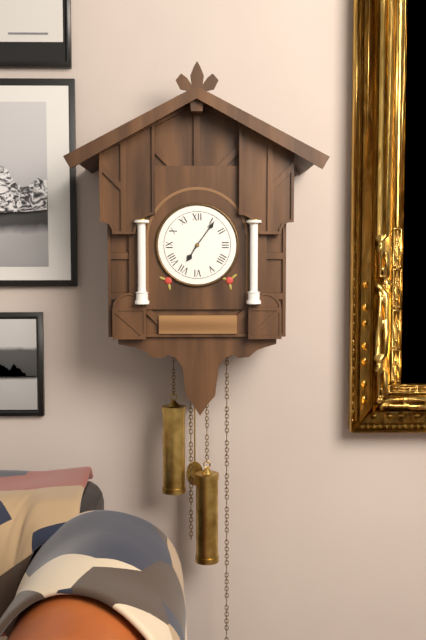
7 h 06 min
